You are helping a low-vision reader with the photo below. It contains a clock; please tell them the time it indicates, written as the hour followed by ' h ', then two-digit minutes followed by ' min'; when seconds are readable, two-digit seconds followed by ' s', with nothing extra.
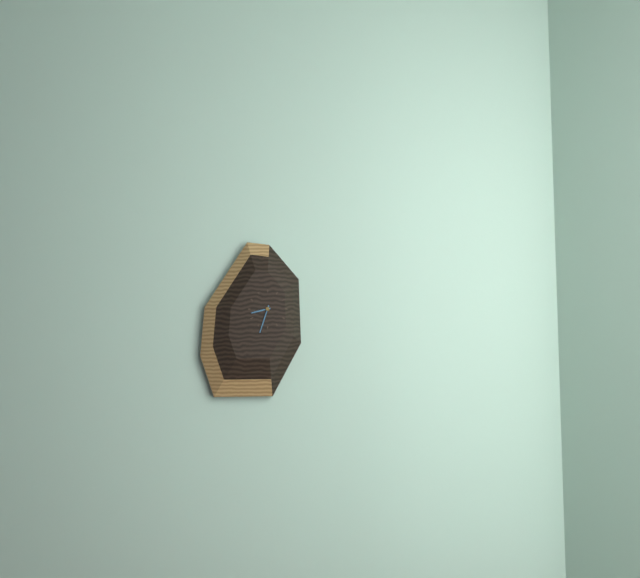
8 h 33 min
